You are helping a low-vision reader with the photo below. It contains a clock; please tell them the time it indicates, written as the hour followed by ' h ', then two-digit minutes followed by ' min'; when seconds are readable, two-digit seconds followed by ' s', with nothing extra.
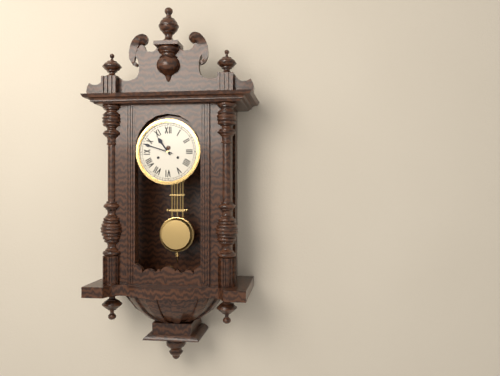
10 h 48 min
